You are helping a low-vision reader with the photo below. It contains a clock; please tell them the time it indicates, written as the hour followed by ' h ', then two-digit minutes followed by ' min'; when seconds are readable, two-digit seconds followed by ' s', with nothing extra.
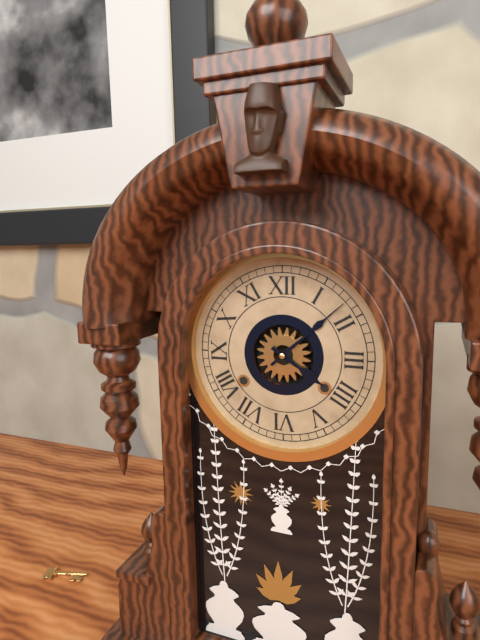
4 h 08 min
